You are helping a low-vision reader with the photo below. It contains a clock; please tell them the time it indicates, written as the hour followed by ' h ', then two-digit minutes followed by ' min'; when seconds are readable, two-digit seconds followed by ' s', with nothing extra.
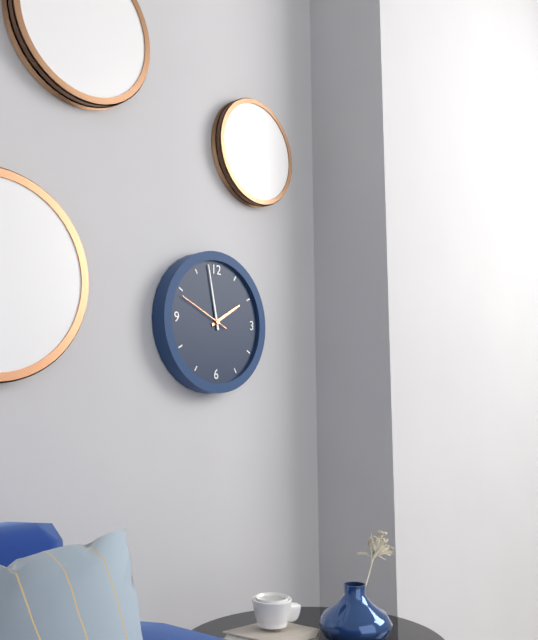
1 h 58 min 49 s
